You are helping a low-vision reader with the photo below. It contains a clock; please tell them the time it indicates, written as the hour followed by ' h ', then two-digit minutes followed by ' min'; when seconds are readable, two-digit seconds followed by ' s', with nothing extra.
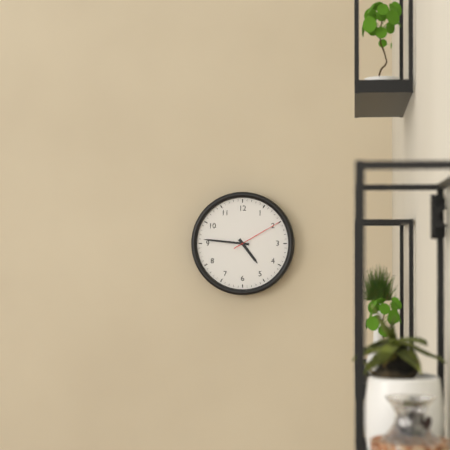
4 h 46 min 10 s
